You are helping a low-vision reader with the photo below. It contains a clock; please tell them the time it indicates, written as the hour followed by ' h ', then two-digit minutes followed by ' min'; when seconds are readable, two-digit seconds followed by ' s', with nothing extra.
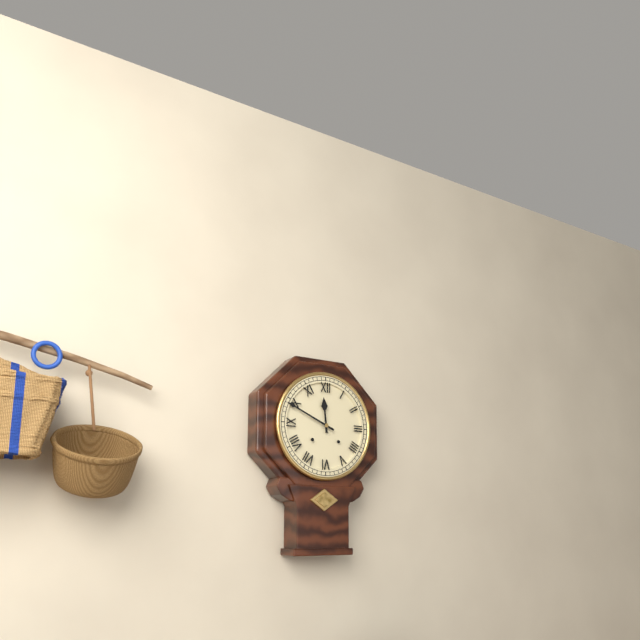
11 h 49 min
